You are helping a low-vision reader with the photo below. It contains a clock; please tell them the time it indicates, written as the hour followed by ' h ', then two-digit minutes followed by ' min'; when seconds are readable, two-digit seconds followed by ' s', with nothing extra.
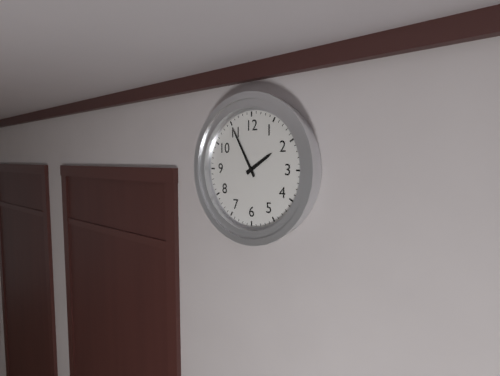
1 h 55 min
